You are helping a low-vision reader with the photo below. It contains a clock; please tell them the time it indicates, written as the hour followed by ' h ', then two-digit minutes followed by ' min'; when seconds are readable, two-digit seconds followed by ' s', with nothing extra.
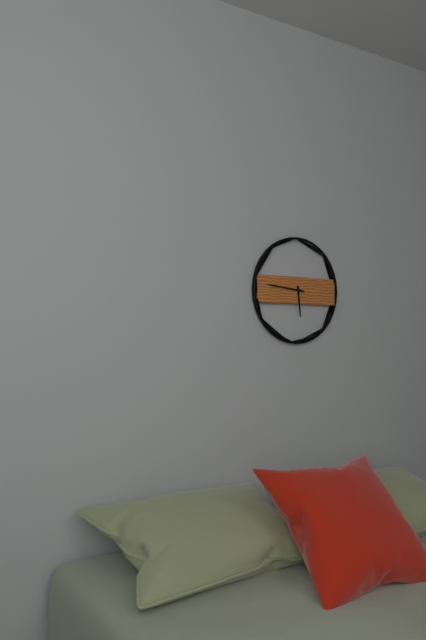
5 h 46 min
